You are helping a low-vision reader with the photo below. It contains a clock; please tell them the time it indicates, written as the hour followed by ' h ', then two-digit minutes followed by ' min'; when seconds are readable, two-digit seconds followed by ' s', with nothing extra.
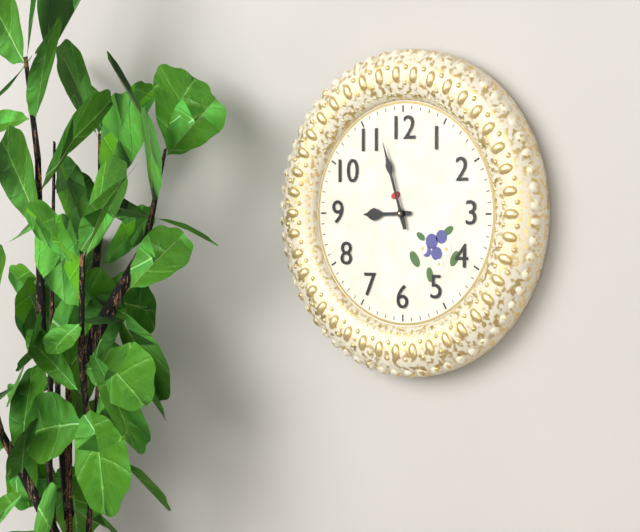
8 h 57 min
